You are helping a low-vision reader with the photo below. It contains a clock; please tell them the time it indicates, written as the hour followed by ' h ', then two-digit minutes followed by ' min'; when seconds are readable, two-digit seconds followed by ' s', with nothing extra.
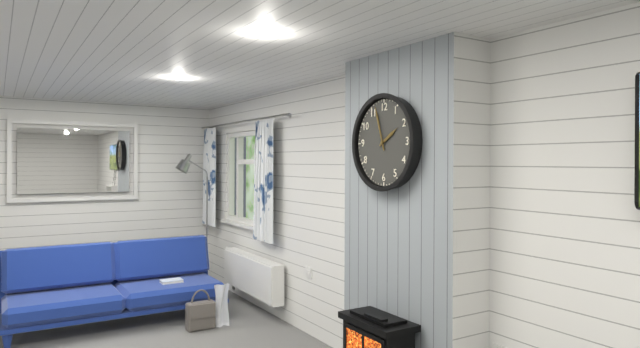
1 h 57 min
